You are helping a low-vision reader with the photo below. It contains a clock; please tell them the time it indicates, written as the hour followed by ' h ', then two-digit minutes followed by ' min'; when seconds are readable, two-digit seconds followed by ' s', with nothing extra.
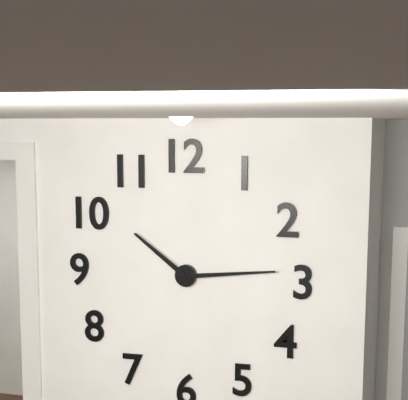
10 h 14 min
